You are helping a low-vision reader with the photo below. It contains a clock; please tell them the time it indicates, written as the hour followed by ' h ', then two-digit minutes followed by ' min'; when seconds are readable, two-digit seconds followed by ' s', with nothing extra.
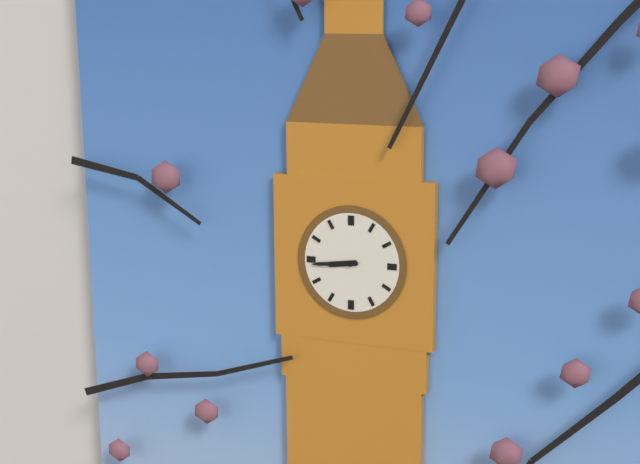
8 h 44 min
